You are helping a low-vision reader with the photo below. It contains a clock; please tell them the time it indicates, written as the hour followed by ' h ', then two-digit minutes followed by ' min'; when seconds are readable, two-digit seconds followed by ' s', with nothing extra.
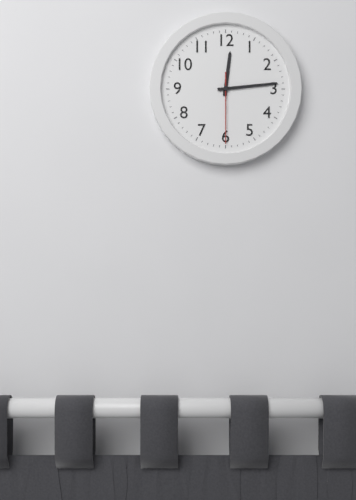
12 h 14 min 30 s
